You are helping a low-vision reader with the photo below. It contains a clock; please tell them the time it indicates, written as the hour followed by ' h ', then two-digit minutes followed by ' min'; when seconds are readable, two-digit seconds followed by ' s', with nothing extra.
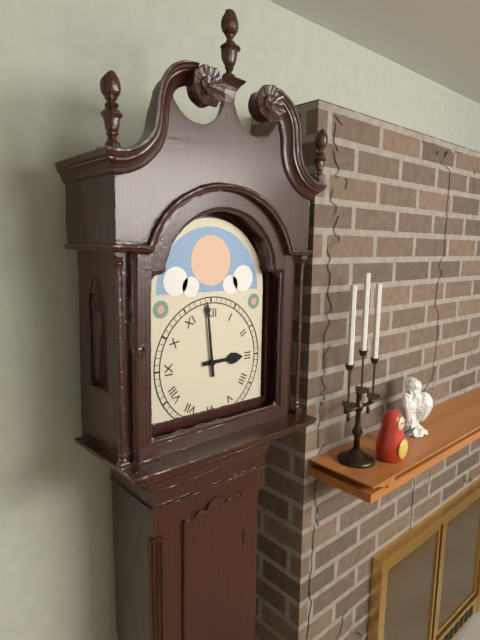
2 h 59 min
